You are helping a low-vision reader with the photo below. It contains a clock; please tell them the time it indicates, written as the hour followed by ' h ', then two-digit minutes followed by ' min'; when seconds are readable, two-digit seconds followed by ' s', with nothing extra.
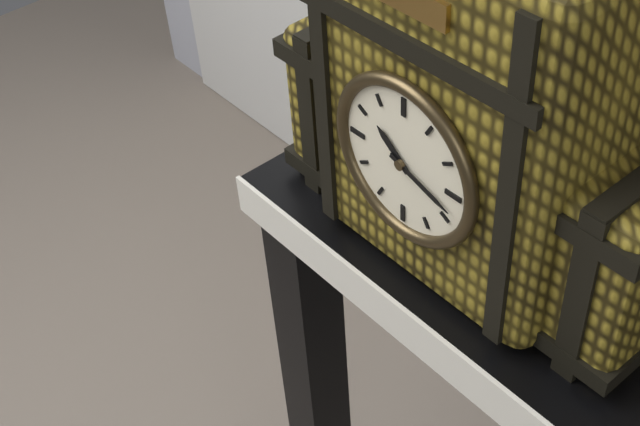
10 h 18 min
